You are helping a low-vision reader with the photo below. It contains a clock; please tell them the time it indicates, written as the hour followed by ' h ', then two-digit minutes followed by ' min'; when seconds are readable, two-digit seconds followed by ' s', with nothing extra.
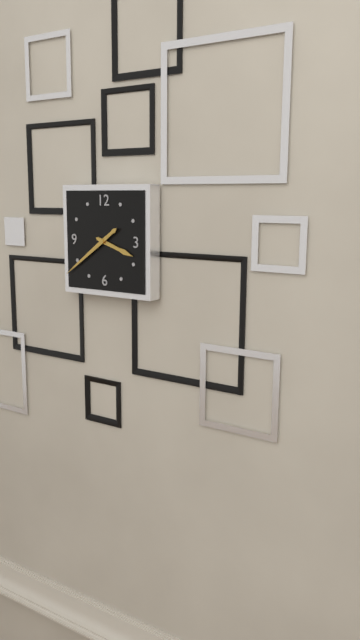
3 h 39 min
